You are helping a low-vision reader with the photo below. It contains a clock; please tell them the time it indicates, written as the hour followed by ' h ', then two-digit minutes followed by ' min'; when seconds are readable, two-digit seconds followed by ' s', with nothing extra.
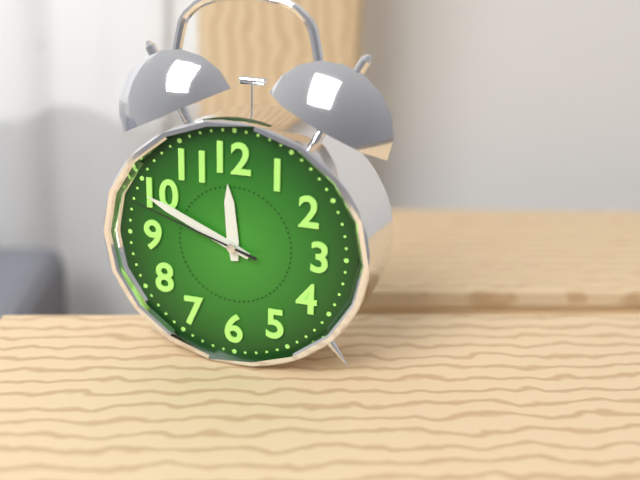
11 h 49 min 48 s
